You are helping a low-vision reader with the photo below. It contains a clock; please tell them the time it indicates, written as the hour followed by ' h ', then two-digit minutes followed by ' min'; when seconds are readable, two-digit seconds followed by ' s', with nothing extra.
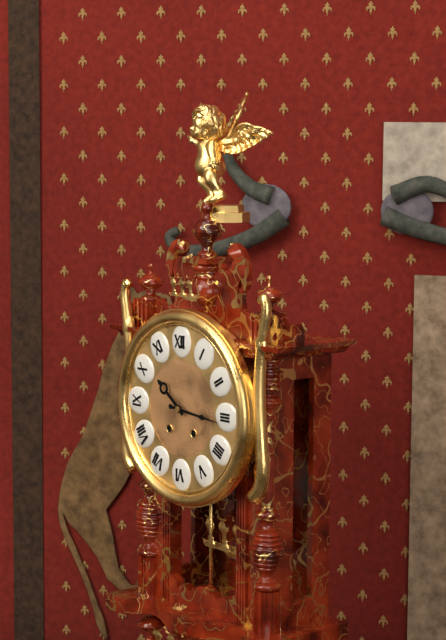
10 h 16 min
